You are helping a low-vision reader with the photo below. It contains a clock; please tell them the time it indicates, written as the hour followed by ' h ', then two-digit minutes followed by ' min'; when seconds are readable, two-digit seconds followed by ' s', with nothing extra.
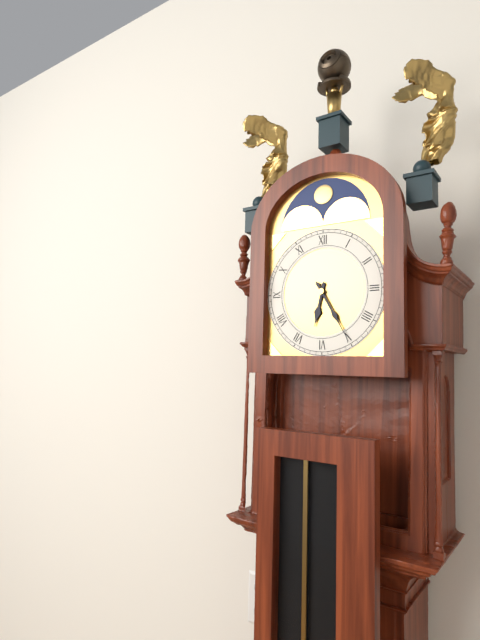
6 h 25 min
